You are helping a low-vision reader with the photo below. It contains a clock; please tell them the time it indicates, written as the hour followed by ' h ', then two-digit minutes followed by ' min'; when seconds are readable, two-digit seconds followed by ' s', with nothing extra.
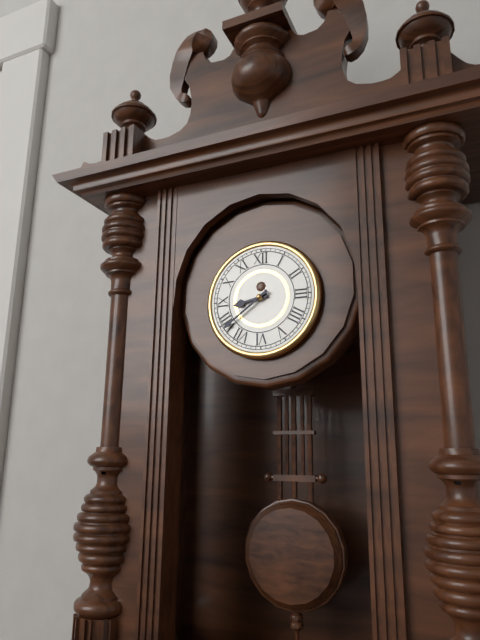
8 h 39 min
